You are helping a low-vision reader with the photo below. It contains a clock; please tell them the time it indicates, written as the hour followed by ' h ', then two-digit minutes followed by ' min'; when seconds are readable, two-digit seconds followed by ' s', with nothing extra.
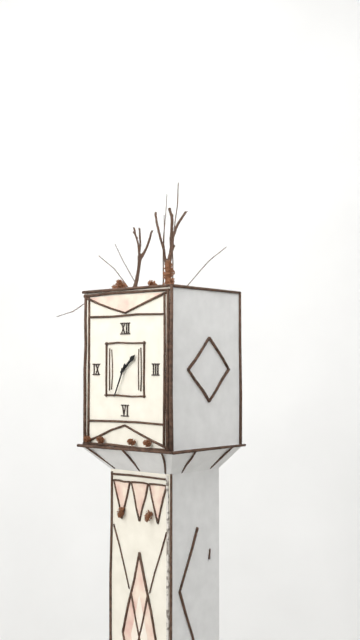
1 h 34 min
